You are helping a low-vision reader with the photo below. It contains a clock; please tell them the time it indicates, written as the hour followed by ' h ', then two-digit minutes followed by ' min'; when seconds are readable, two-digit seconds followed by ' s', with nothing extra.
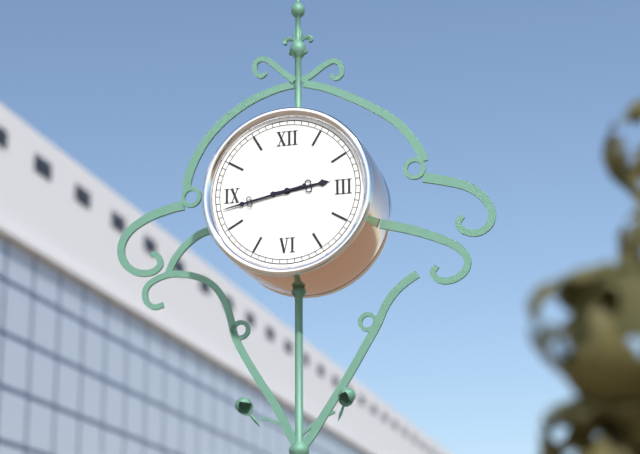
2 h 43 min
